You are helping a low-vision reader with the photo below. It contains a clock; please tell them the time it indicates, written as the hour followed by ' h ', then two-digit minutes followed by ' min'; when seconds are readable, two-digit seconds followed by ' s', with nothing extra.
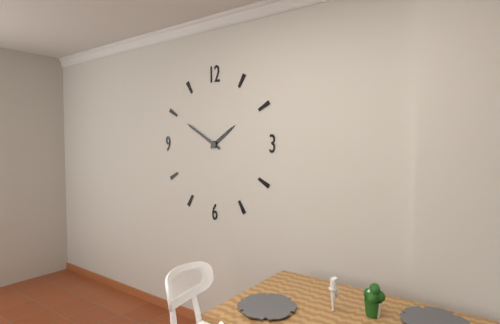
1 h 50 min
